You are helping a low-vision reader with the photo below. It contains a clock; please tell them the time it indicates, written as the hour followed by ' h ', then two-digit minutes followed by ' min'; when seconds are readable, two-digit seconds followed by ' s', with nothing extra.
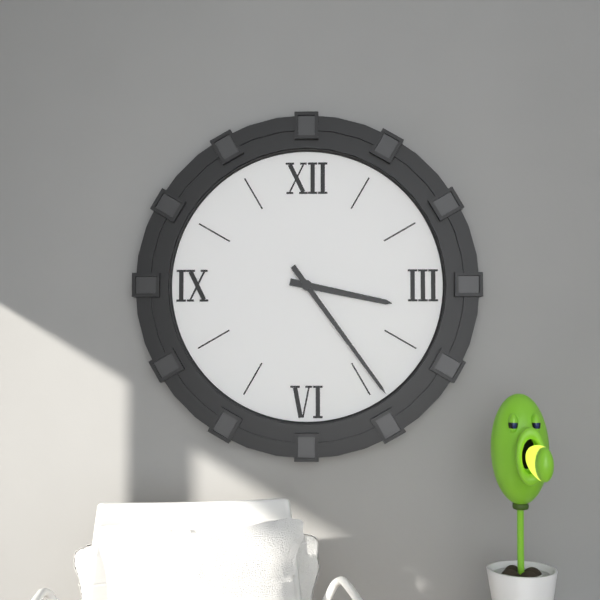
3 h 24 min
